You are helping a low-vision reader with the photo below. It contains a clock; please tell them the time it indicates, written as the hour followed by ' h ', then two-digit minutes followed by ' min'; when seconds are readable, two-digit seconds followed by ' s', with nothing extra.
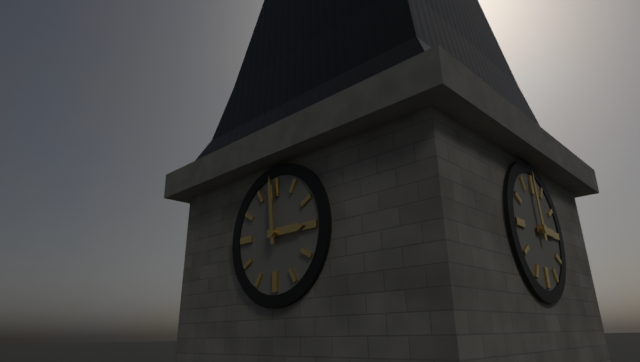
2 h 59 min
